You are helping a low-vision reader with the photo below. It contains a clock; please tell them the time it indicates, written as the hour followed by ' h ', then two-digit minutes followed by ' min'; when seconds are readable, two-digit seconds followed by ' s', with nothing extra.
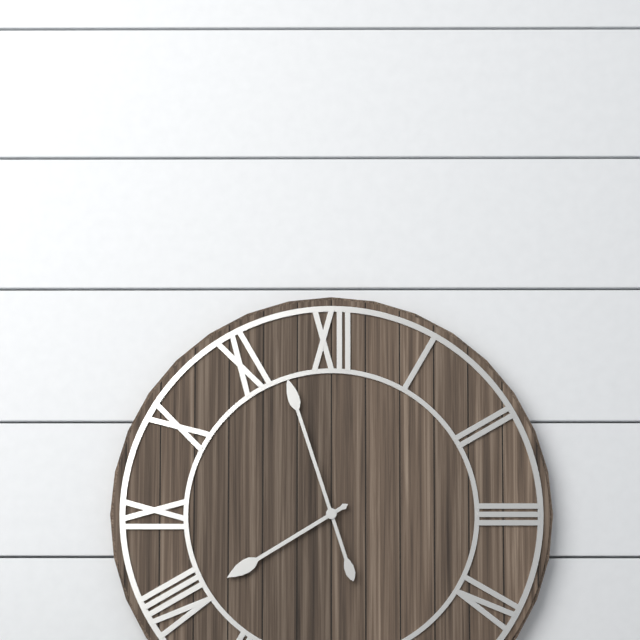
7 h 57 min
